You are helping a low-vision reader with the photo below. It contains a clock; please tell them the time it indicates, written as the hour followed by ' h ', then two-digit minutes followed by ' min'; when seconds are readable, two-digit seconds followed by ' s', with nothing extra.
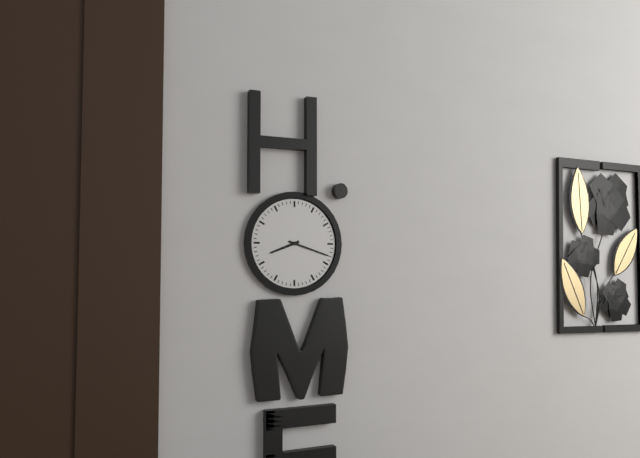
8 h 18 min
